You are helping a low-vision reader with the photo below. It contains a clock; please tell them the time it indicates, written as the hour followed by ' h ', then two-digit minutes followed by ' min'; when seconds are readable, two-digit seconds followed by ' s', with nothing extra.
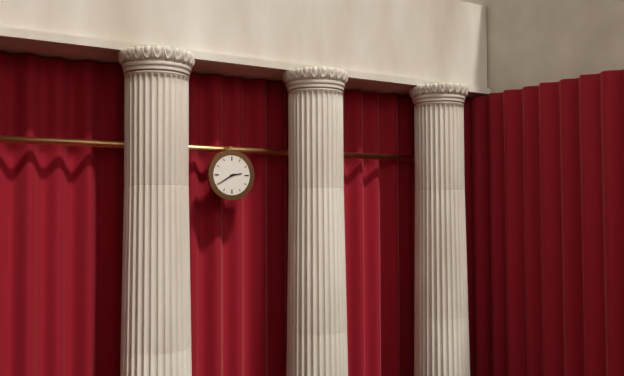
2 h 40 min
